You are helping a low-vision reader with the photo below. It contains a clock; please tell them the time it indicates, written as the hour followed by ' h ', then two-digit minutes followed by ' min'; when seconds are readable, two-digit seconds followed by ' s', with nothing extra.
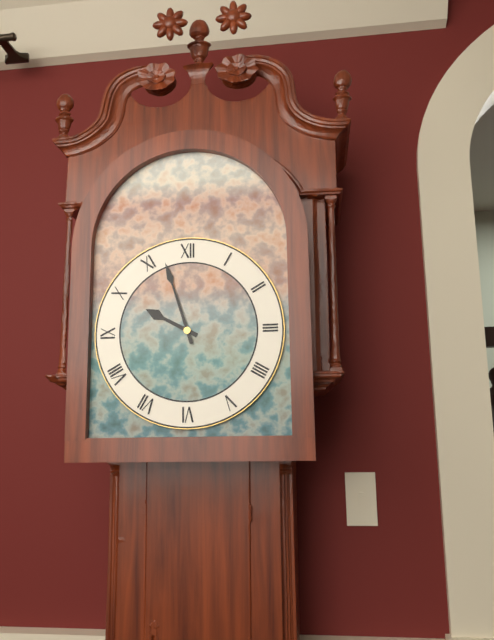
9 h 57 min
